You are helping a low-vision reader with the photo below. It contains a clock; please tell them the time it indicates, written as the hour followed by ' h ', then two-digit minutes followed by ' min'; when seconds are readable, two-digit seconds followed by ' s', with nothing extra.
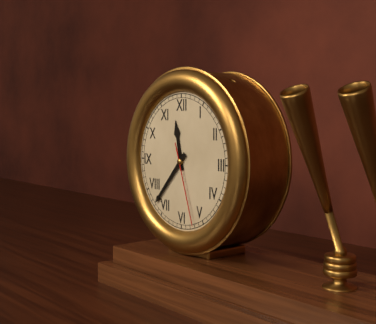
11 h 37 min 27 s
